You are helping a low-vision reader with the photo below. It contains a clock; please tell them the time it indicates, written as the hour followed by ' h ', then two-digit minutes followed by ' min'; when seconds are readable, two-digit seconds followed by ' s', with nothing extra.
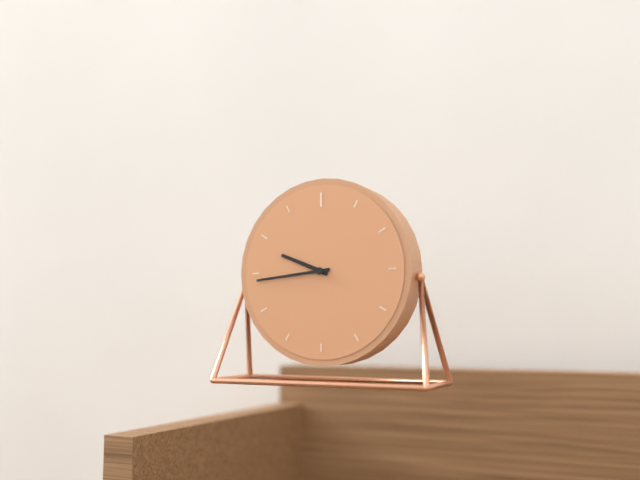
9 h 44 min
